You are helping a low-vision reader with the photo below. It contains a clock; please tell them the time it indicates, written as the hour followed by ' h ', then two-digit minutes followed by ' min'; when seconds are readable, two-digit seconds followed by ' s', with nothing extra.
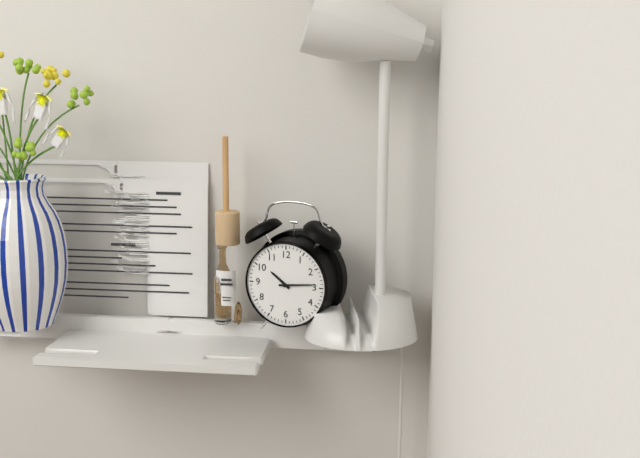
10 h 14 min
